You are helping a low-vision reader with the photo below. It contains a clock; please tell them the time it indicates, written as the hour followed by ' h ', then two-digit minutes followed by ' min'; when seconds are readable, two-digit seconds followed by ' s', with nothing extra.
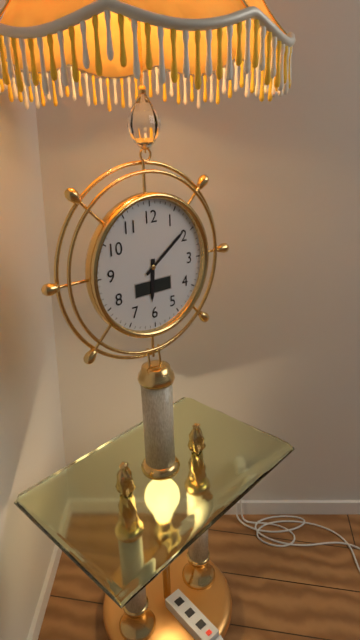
6 h 09 min
